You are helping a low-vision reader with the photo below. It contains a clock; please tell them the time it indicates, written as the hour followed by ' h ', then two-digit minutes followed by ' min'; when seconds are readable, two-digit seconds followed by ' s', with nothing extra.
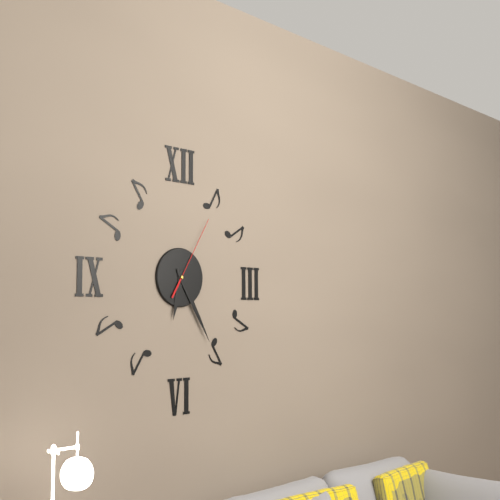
6 h 25 min 05 s
